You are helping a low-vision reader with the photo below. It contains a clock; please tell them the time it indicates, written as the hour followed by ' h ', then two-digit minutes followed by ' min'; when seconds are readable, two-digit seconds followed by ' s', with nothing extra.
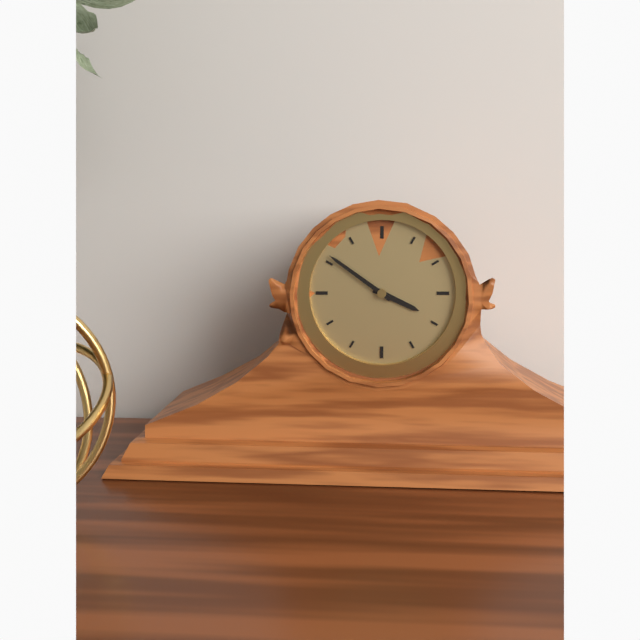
3 h 51 min
